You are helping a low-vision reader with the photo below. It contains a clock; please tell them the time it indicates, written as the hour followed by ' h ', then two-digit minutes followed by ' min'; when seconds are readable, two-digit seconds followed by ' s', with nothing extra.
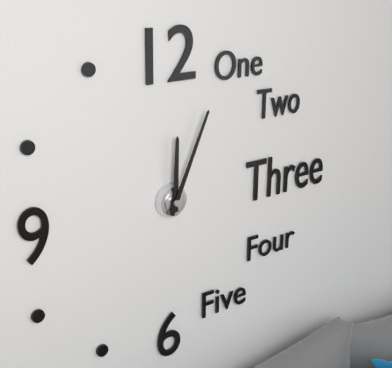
12 h 04 min
